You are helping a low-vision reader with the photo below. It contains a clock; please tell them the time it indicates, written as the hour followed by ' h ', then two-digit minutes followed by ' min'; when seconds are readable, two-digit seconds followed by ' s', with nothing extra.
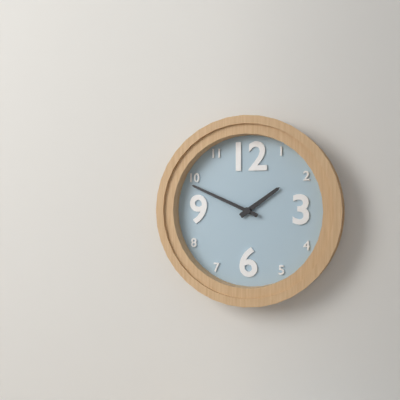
1 h 49 min
